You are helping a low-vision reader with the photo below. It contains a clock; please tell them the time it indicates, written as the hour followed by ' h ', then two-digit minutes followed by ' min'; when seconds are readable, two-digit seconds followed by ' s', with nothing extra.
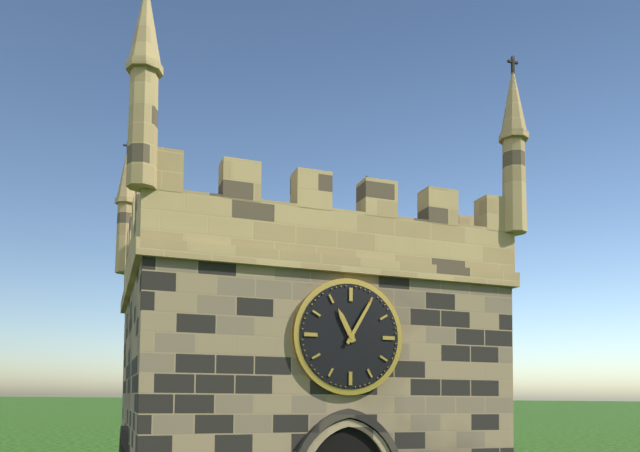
11 h 05 min
